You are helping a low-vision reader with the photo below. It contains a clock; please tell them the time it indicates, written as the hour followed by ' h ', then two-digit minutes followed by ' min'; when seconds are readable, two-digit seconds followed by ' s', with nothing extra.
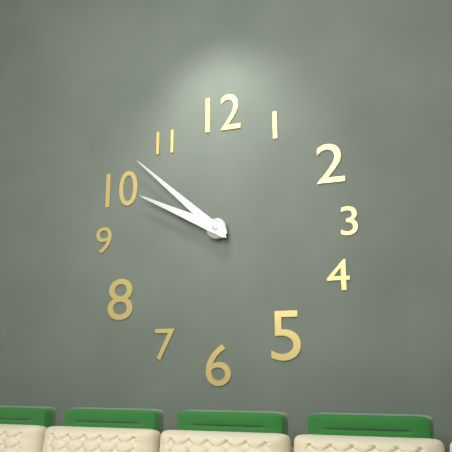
9 h 52 min
